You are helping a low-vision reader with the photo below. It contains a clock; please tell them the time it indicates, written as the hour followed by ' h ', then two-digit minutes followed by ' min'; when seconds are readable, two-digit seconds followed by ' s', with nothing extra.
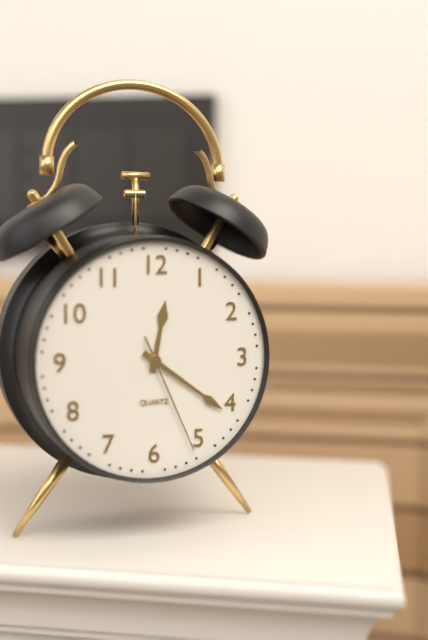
12 h 21 min 26 s
